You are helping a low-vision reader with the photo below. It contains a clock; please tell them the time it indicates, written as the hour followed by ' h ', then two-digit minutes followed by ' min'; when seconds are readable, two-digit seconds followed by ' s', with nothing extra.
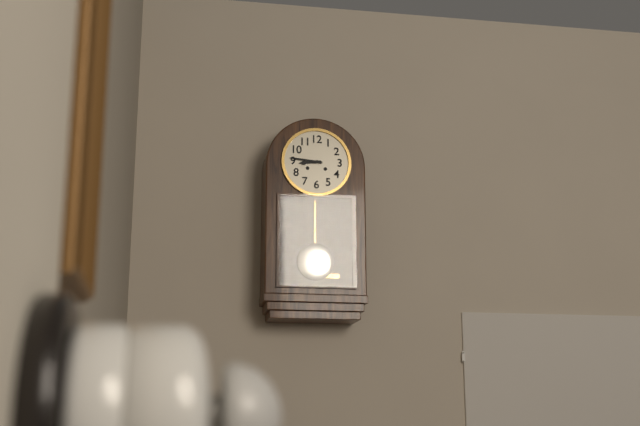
8 h 46 min
